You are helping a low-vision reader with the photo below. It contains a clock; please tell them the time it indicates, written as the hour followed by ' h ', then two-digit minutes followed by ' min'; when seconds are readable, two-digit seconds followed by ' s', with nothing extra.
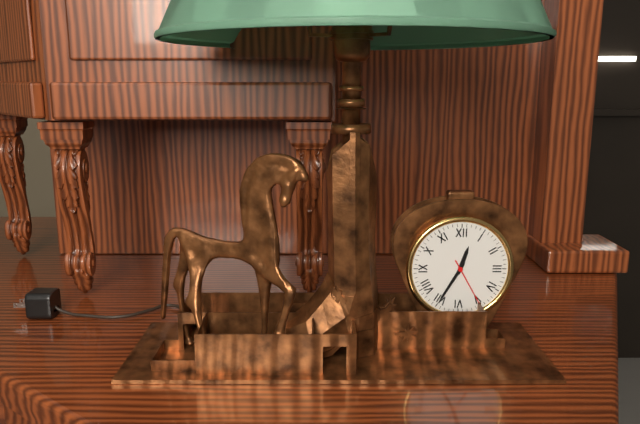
12 h 35 min 25 s
